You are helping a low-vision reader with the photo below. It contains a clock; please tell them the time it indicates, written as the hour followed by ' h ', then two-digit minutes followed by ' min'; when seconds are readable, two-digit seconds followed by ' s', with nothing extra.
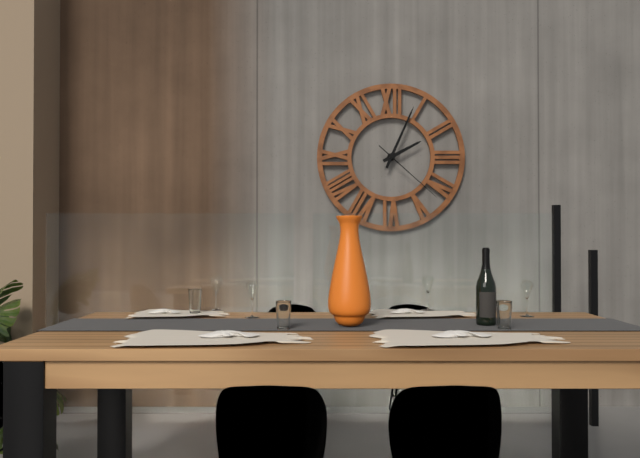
2 h 04 min 22 s
